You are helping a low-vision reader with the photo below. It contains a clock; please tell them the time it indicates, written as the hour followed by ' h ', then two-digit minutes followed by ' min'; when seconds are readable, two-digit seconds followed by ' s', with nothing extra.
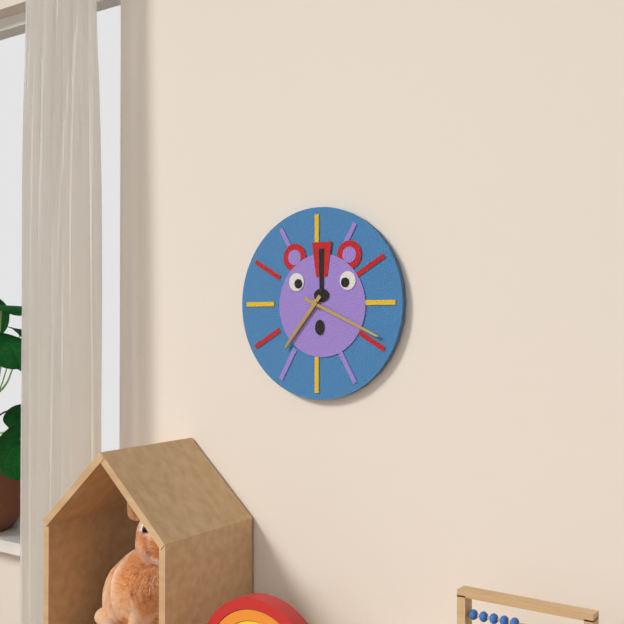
7 h 19 min
